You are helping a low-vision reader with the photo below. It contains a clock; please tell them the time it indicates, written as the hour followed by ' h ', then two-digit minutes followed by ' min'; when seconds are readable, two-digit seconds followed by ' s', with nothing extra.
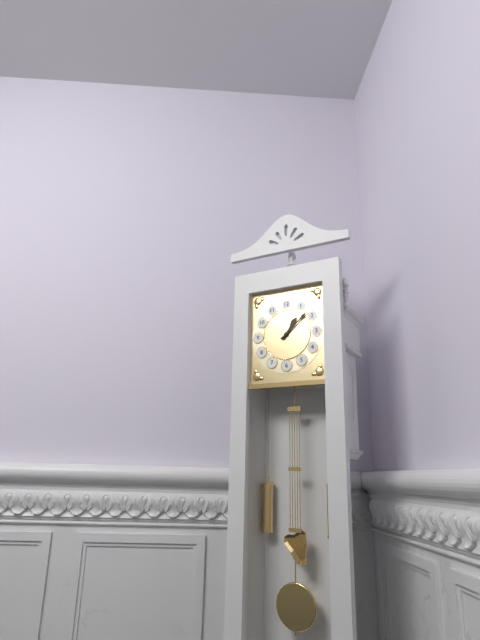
1 h 08 min
